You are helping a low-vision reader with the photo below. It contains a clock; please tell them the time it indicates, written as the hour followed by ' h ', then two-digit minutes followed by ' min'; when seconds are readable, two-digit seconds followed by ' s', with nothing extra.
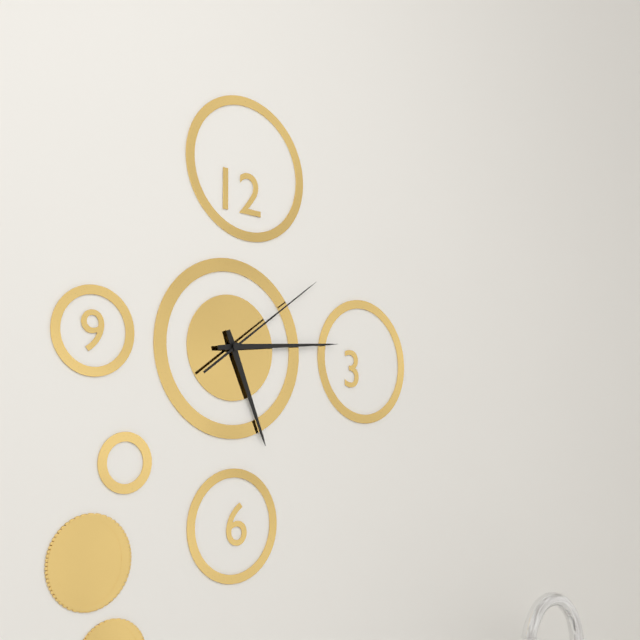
5 h 14 min 09 s
